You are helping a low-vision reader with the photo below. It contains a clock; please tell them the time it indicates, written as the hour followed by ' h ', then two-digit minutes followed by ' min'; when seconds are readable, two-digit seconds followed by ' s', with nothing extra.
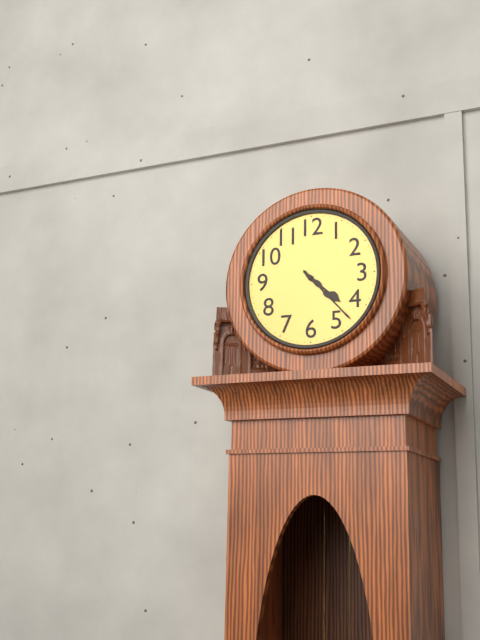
4 h 23 min
